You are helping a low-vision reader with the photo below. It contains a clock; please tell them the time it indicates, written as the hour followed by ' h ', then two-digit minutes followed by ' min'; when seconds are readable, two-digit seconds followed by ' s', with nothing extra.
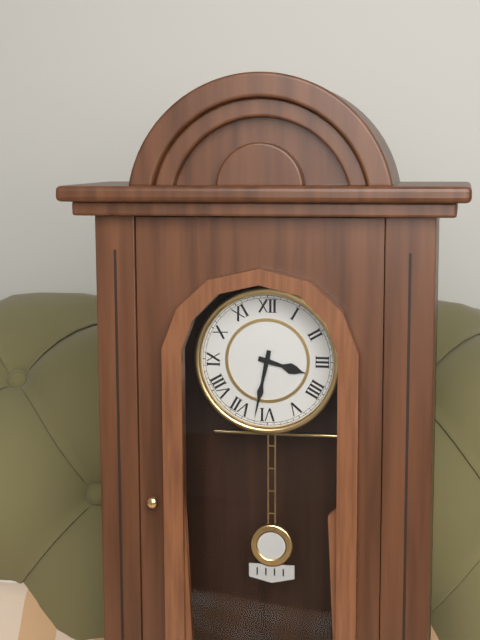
3 h 32 min
